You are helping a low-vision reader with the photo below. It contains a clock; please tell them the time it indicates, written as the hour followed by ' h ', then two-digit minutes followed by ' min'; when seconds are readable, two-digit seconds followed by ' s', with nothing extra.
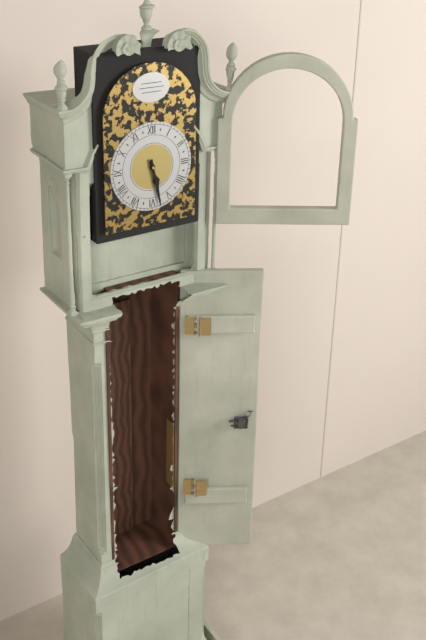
5 h 28 min
